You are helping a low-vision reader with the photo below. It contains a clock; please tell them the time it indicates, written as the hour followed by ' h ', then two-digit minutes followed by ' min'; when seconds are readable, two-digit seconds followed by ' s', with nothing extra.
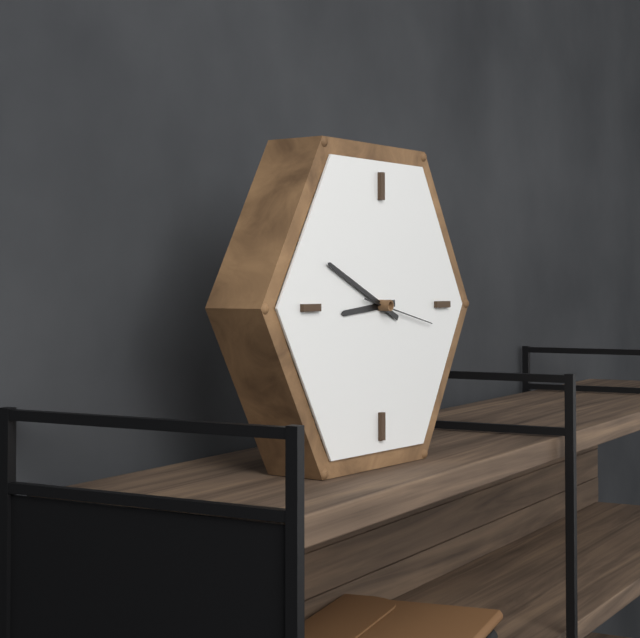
8 h 49 min 17 s
